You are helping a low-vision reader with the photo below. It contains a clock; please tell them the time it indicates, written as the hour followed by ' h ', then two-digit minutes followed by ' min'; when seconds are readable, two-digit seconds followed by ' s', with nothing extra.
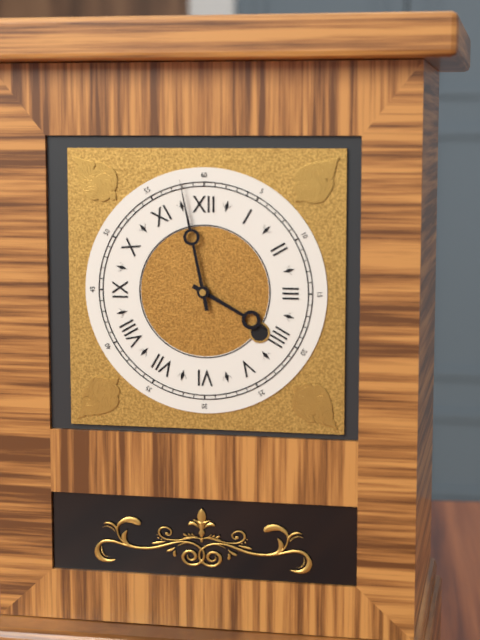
3 h 58 min
